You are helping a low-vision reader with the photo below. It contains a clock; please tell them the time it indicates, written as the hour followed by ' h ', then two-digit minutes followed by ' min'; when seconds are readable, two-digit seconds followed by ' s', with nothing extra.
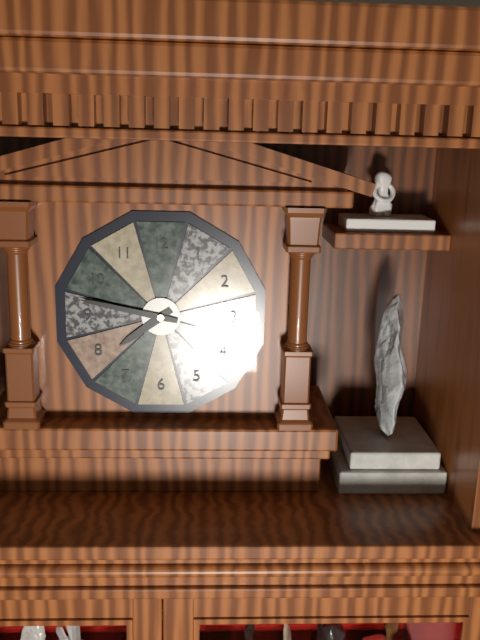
7 h 47 min
